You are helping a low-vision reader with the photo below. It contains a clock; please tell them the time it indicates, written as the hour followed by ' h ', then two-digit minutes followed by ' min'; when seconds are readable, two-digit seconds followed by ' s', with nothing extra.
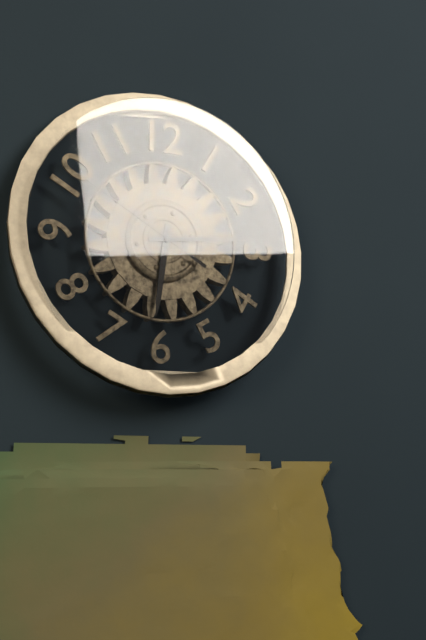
6 h 14 min 50 s
